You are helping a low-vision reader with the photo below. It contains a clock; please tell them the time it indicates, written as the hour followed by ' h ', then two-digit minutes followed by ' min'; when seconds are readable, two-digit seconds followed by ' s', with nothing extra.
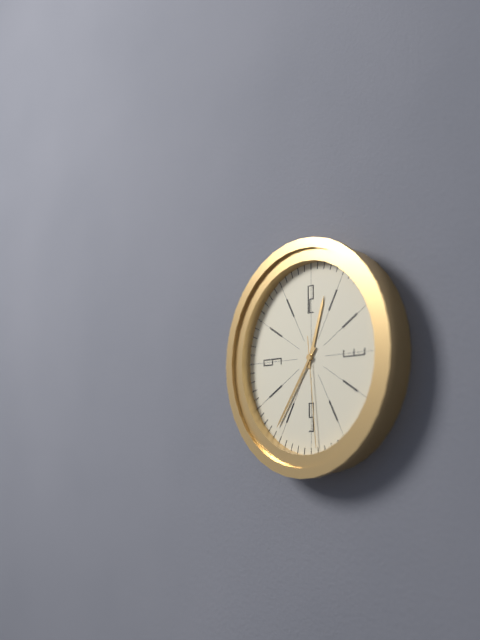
12 h 36 min 29 s
